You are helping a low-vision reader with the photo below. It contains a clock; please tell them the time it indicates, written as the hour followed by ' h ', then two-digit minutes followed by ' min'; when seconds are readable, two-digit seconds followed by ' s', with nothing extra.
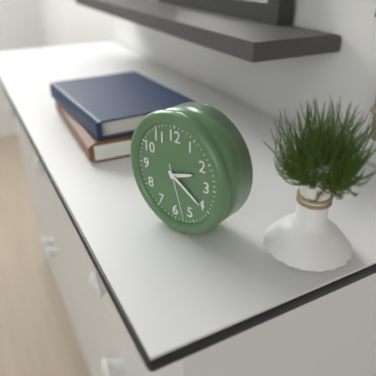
2 h 20 min 27 s
